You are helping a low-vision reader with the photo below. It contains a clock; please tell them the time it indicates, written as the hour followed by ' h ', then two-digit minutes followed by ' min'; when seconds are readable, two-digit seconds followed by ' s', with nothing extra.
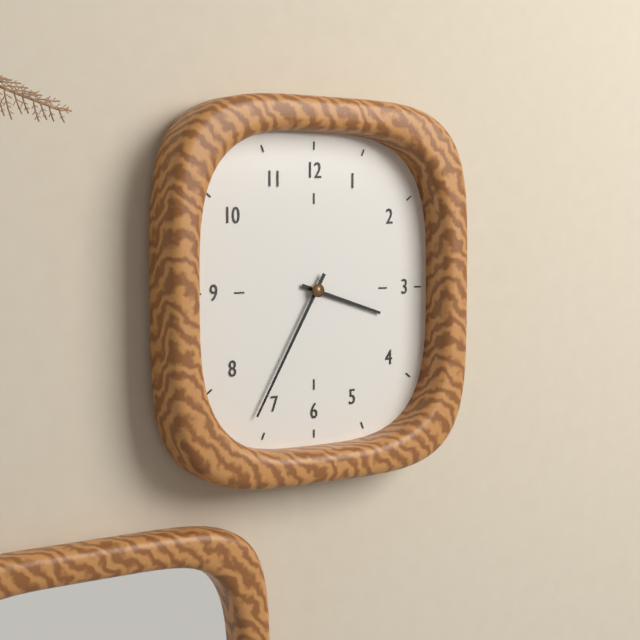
3 h 35 min
